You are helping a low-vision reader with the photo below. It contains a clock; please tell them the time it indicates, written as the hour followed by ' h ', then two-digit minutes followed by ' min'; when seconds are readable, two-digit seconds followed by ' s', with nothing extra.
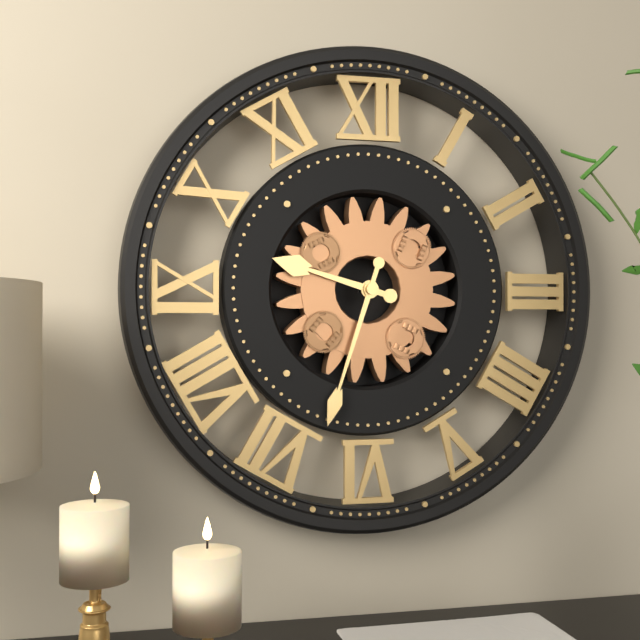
9 h 33 min
